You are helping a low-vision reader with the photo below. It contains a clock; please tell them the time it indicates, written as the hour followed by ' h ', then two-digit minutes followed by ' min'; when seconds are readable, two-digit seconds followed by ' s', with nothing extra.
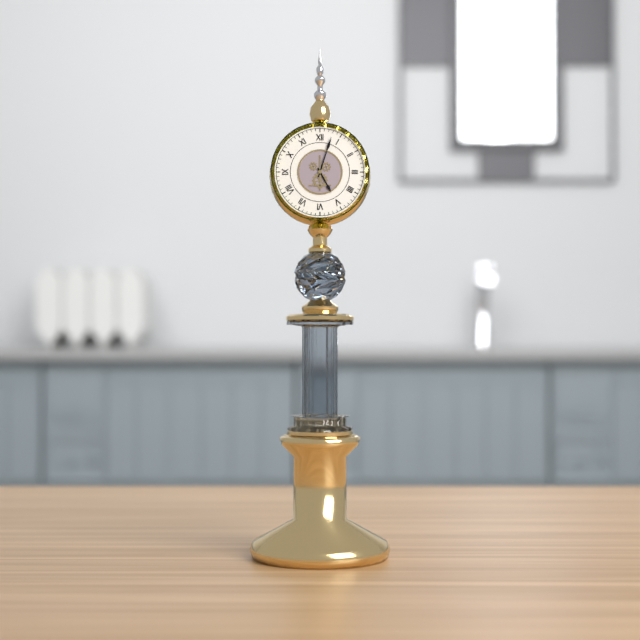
5 h 03 min
